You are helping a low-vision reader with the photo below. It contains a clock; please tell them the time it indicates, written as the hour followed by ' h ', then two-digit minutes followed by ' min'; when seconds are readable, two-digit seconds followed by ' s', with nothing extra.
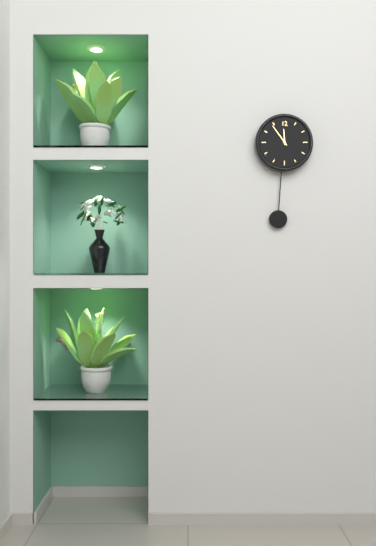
11 h 54 min
